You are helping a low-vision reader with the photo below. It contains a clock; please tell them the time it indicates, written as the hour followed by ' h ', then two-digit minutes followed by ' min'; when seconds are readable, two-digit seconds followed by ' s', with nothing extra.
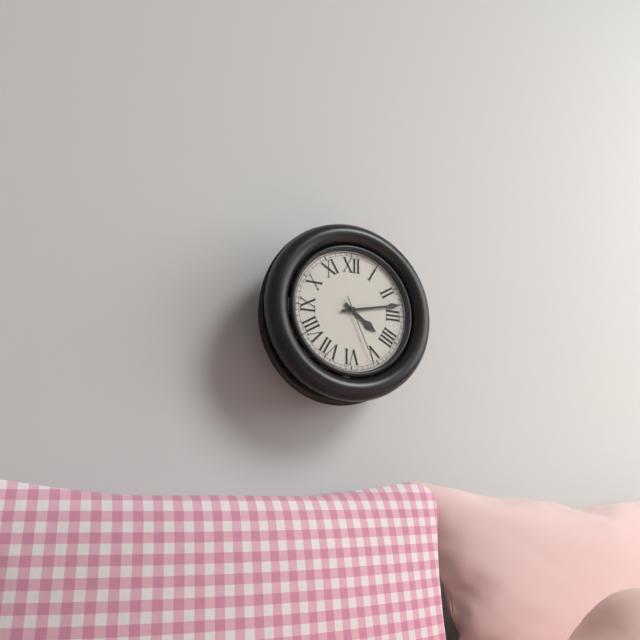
4 h 13 min 26 s
